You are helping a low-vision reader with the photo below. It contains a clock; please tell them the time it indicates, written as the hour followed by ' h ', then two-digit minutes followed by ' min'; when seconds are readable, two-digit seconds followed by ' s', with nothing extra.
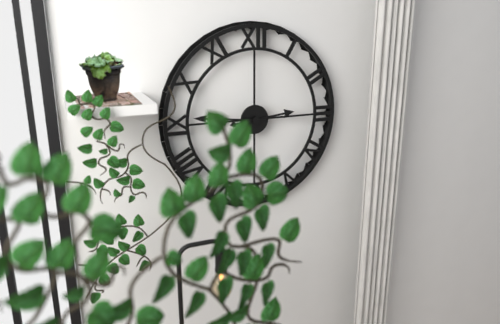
2 h 46 min
